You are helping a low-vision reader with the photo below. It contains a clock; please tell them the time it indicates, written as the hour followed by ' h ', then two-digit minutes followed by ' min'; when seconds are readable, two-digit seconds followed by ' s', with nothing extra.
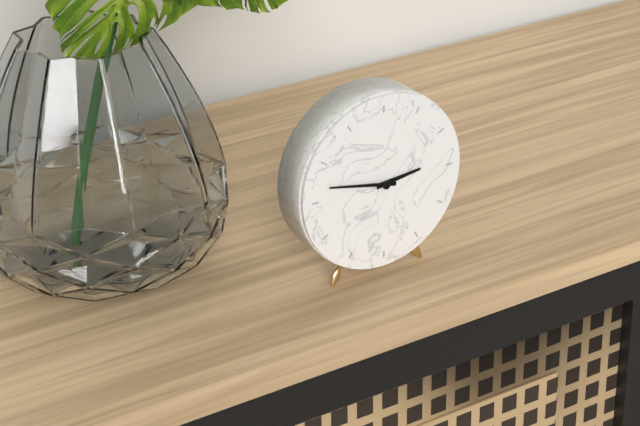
2 h 47 min
